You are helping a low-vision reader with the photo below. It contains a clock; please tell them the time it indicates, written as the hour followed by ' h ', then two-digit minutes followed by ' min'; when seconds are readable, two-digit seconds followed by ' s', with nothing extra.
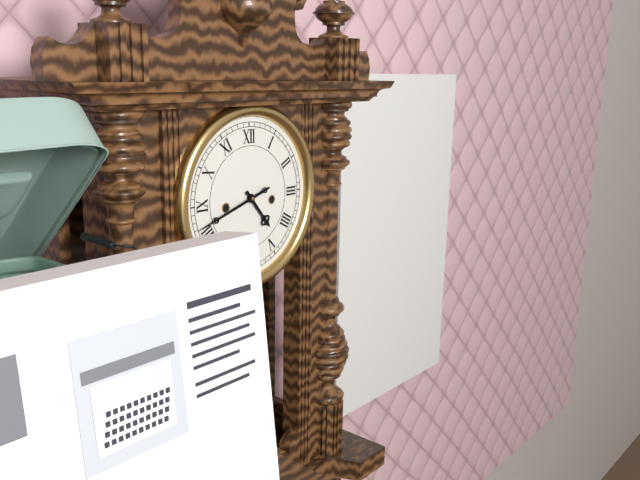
4 h 42 min
